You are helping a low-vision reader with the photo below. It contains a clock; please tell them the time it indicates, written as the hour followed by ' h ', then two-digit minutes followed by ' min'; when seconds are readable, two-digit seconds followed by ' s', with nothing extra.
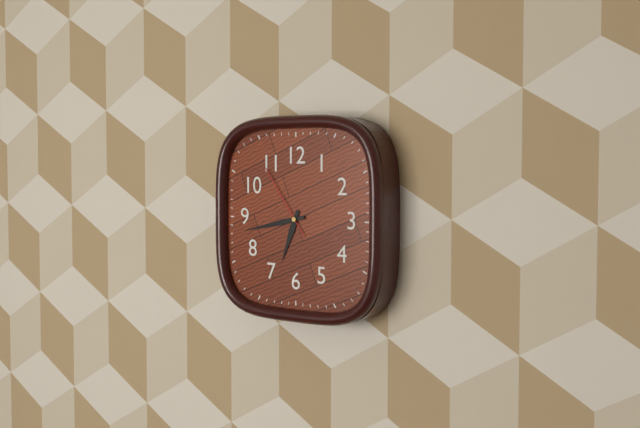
6 h 43 min 54 s
